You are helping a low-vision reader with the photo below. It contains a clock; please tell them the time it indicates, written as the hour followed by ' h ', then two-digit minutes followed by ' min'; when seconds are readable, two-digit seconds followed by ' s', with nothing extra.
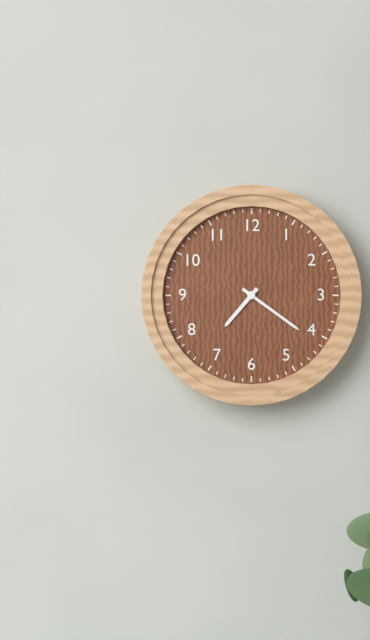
7 h 21 min
